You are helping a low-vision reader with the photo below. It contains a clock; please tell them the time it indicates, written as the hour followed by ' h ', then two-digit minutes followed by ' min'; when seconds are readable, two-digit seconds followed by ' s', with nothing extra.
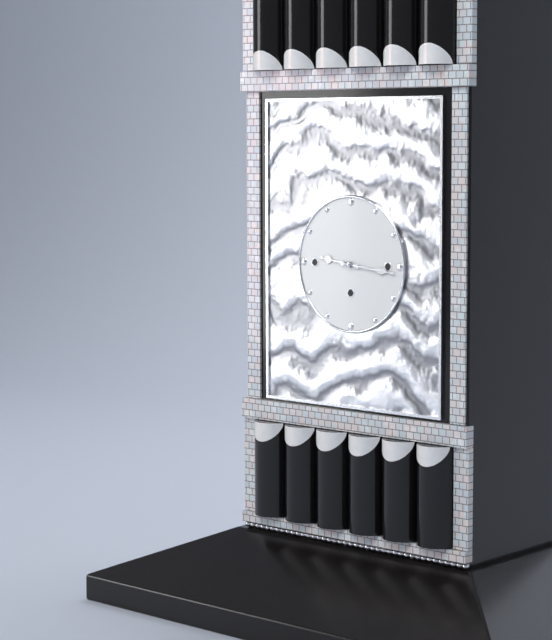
9 h 16 min
